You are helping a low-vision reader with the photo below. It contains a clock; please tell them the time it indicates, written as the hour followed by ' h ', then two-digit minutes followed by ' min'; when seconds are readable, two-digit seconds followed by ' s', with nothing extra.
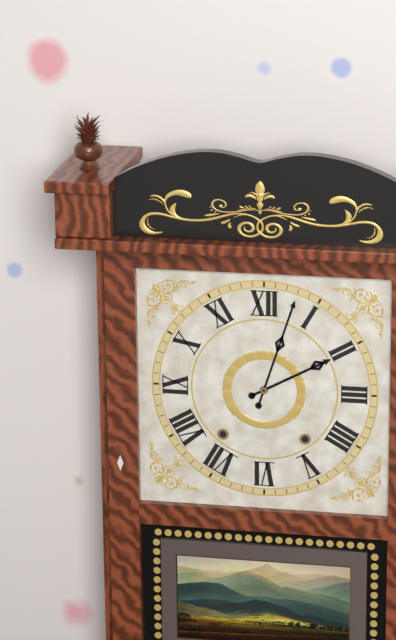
2 h 03 min
